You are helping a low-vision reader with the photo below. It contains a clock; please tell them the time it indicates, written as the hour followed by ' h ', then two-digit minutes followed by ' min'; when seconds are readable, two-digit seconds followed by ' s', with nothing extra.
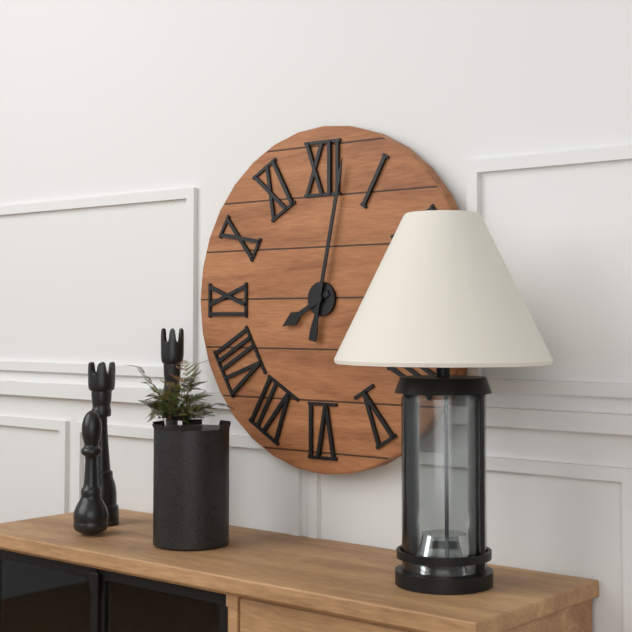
8 h 02 min
